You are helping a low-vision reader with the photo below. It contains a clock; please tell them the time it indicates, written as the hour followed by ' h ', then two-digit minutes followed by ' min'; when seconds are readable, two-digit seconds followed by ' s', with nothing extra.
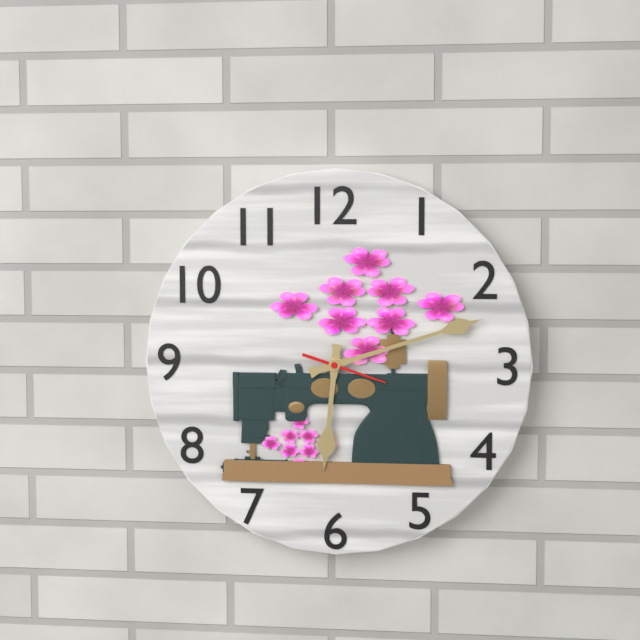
6 h 12 min 18 s
